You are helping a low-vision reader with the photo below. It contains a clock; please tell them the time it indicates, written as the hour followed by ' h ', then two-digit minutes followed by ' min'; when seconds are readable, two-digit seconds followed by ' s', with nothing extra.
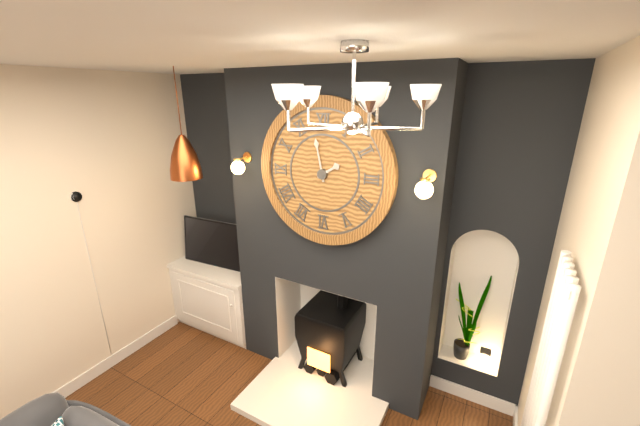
1 h 58 min
